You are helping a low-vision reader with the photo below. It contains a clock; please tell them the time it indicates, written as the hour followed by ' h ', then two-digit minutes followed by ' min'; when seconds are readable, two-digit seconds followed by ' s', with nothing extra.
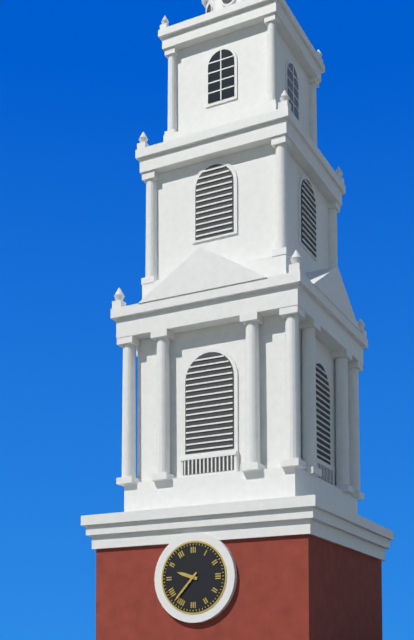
9 h 37 min
